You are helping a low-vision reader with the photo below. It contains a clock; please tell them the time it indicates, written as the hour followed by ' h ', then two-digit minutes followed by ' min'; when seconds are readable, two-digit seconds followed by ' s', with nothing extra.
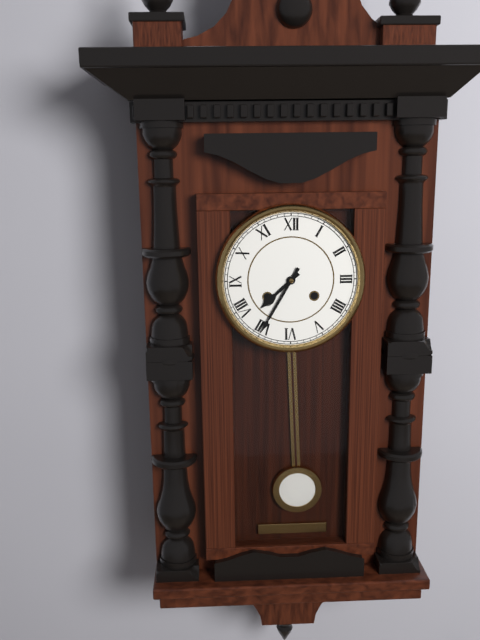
7 h 35 min
